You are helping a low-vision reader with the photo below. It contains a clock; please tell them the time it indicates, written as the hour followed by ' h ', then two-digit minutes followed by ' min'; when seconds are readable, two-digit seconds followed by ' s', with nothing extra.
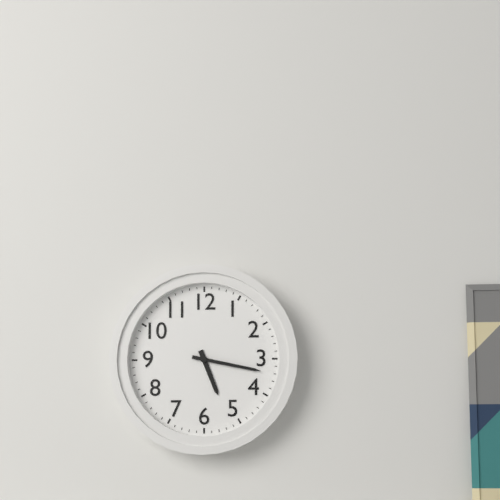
5 h 17 min
